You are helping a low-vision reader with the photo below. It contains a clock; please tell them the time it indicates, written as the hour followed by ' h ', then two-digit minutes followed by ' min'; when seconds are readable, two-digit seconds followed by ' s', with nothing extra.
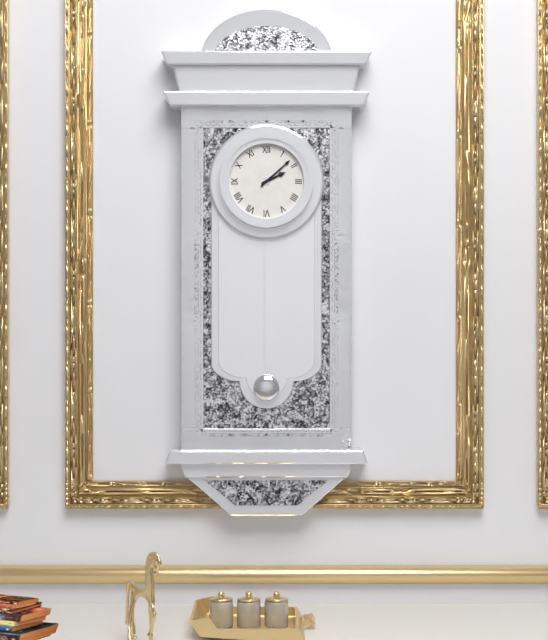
2 h 08 min
